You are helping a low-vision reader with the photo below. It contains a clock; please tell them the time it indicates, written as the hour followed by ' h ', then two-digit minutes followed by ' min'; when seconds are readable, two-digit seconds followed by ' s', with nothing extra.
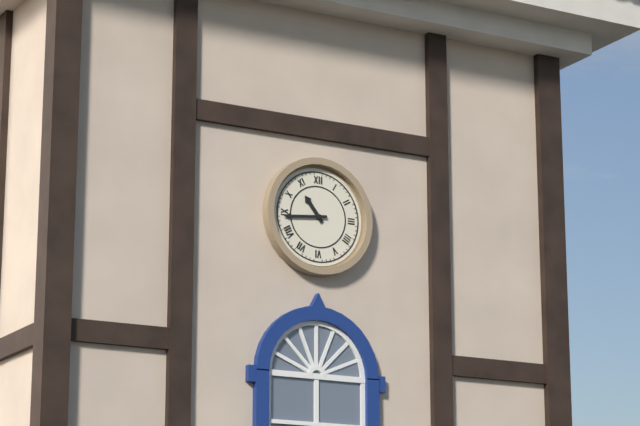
10 h 44 min
